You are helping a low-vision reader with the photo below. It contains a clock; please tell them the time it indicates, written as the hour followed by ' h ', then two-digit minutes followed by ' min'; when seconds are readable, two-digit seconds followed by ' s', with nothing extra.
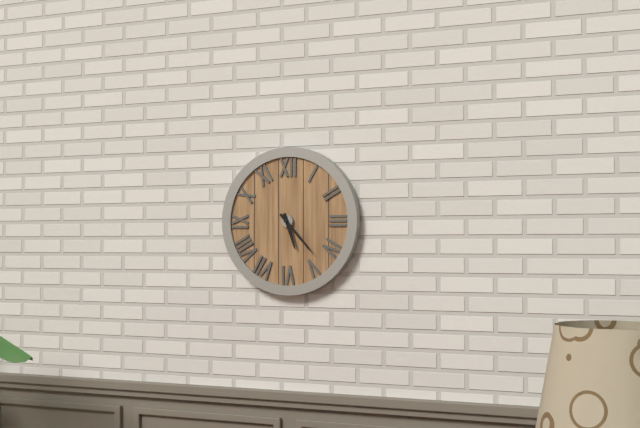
5 h 23 min
